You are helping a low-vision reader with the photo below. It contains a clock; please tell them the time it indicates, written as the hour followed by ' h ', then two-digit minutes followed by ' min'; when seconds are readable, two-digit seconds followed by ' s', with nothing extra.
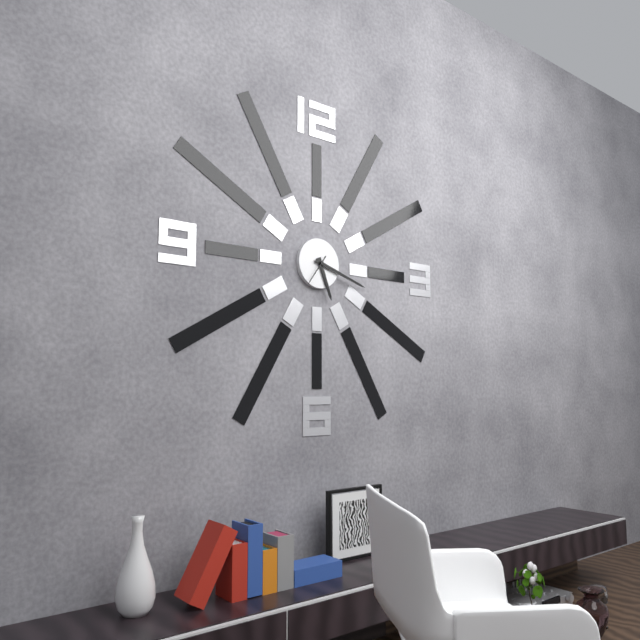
5 h 18 min
